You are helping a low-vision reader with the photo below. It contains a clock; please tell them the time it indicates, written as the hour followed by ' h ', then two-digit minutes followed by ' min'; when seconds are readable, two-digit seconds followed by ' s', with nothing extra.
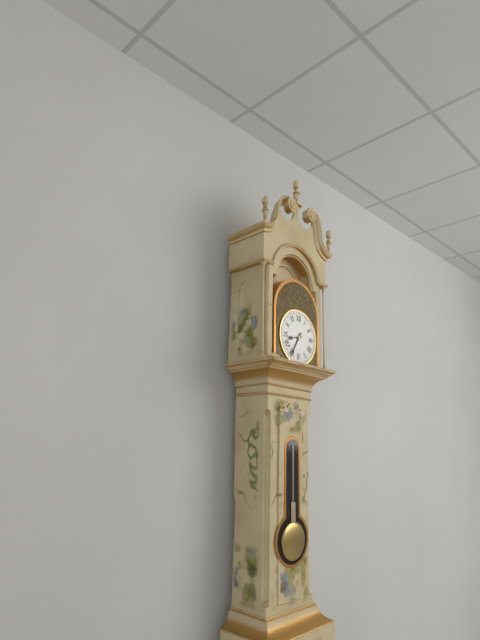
8 h 35 min
